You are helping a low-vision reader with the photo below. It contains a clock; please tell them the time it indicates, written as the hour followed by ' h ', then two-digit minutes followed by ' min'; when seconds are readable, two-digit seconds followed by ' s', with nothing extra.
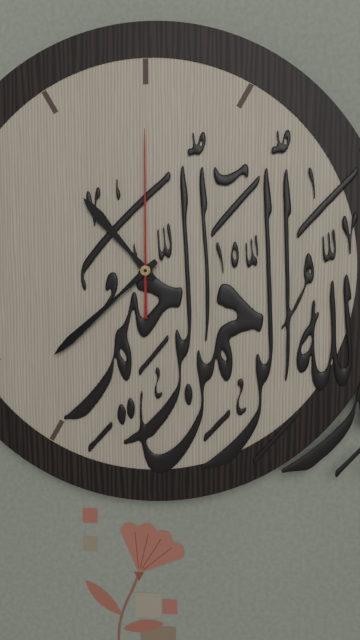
10 h 38 min 00 s
